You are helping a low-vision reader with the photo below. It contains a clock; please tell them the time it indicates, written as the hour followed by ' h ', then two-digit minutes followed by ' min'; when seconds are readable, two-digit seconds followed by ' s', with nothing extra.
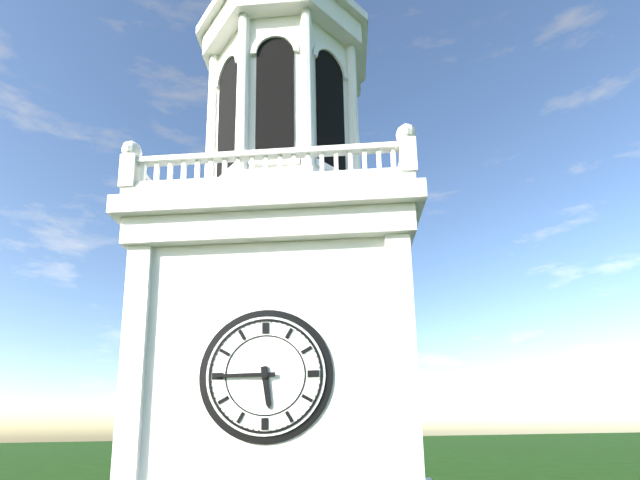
5 h 45 min
